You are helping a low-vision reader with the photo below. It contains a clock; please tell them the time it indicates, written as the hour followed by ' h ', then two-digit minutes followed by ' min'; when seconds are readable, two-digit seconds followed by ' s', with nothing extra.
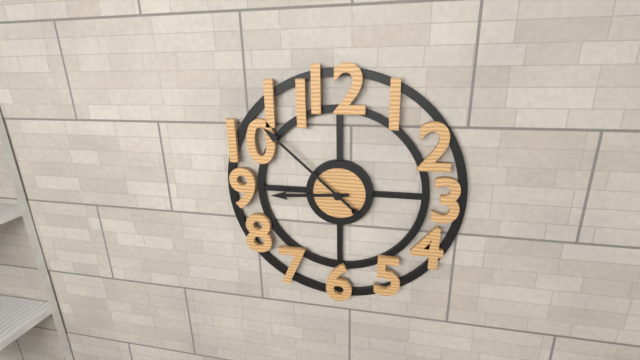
8 h 52 min
